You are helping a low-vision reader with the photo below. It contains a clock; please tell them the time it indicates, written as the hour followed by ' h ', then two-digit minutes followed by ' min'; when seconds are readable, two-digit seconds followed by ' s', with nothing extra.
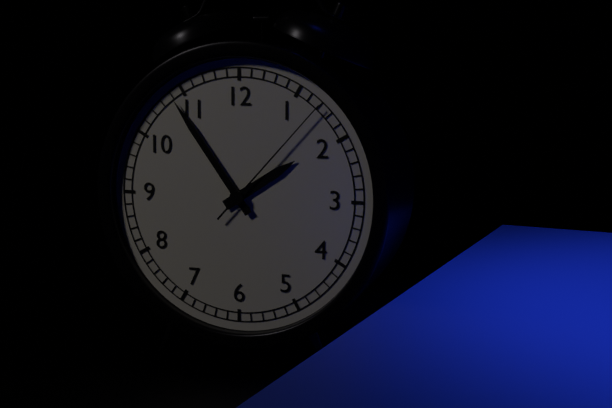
1 h 54 min 07 s
